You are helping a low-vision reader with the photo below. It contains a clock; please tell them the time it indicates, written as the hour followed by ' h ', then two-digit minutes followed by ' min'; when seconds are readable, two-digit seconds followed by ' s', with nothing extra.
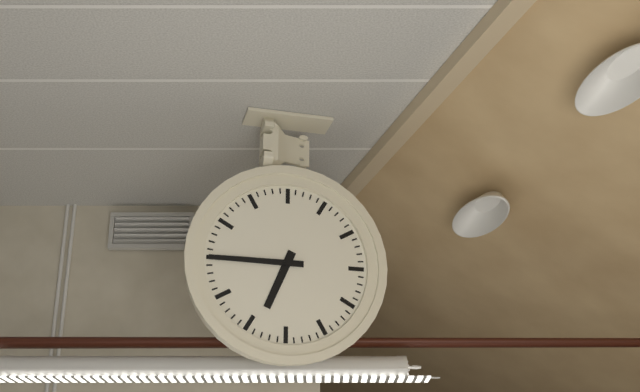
6 h 45 min
